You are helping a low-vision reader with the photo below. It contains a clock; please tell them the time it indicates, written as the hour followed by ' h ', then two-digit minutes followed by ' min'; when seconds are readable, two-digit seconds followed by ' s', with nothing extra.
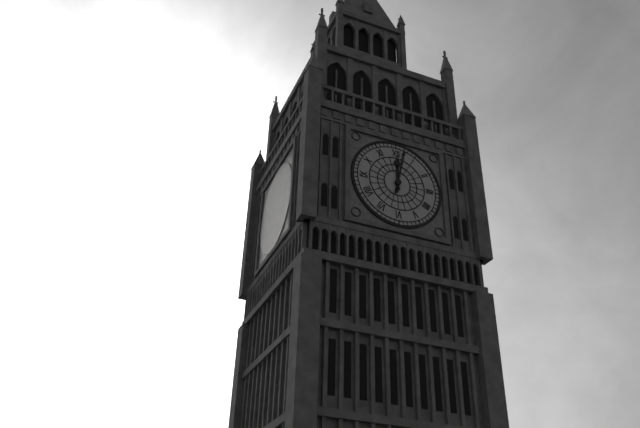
12 h 02 min
